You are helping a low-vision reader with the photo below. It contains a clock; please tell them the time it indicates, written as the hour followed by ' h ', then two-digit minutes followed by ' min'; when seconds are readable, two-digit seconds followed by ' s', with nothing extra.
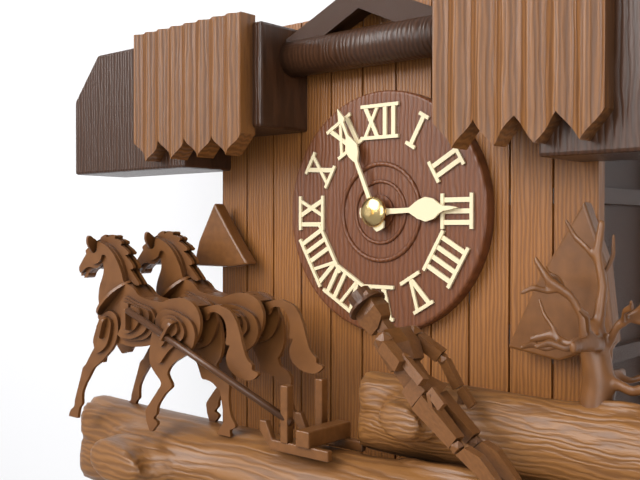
2 h 56 min
